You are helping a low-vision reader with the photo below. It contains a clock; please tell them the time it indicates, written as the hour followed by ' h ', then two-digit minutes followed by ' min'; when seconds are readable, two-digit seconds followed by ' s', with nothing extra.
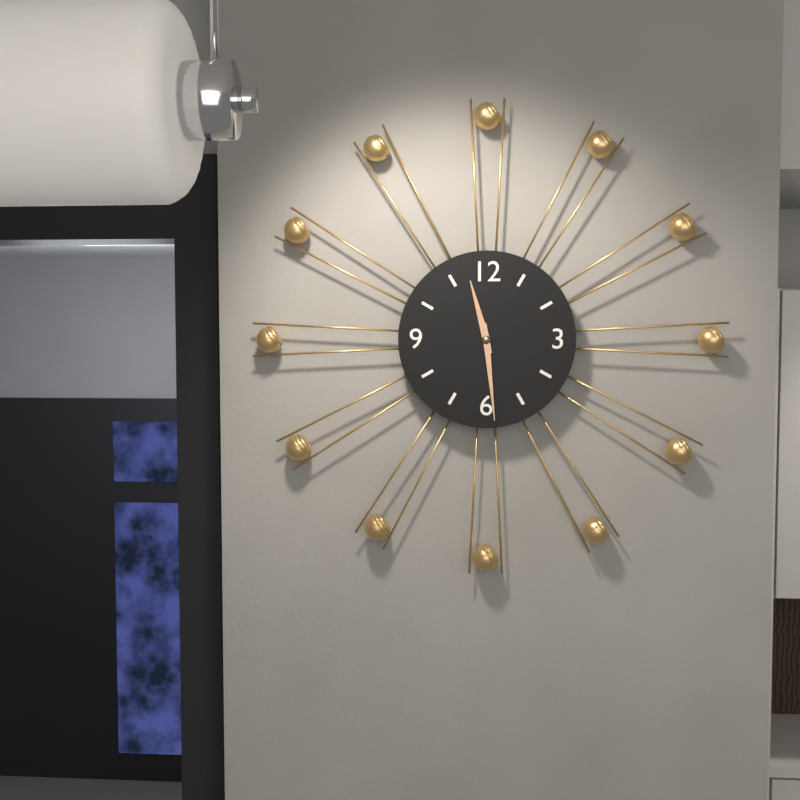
11 h 29 min
